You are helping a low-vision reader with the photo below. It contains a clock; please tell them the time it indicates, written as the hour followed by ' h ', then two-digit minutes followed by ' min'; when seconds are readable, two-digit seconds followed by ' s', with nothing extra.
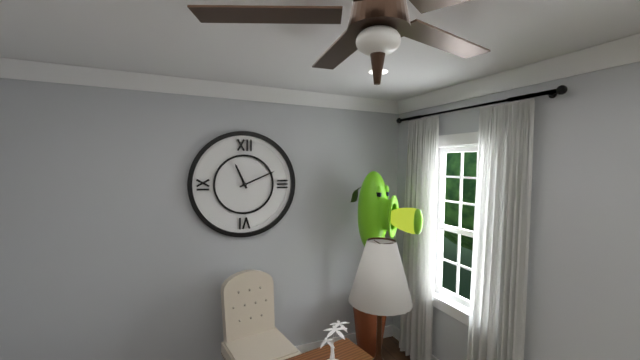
11 h 11 min
